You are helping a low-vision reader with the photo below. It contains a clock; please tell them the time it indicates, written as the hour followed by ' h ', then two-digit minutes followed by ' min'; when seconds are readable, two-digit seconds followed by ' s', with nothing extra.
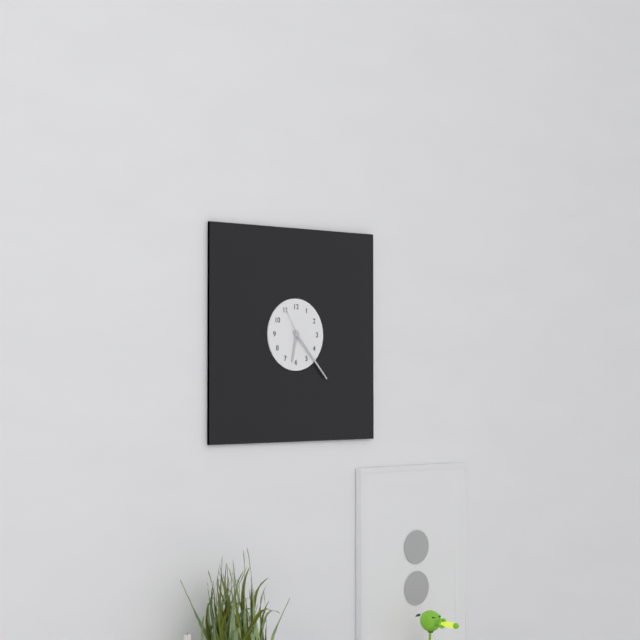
6 h 23 min
